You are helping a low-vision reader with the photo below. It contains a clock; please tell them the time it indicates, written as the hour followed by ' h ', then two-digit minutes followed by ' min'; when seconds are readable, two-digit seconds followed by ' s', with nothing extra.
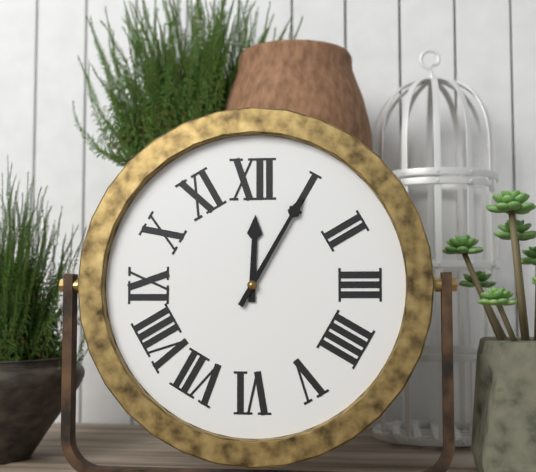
12 h 05 min
